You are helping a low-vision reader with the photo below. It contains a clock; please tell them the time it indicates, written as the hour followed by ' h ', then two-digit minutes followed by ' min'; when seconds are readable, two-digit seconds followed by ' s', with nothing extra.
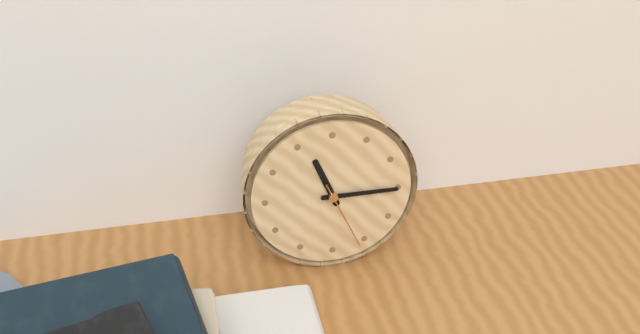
11 h 15 min 26 s
